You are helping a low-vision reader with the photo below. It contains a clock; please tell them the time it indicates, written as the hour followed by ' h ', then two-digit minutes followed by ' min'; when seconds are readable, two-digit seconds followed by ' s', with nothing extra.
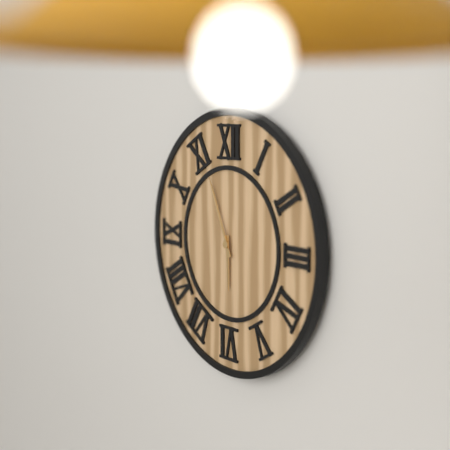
5 h 56 min
